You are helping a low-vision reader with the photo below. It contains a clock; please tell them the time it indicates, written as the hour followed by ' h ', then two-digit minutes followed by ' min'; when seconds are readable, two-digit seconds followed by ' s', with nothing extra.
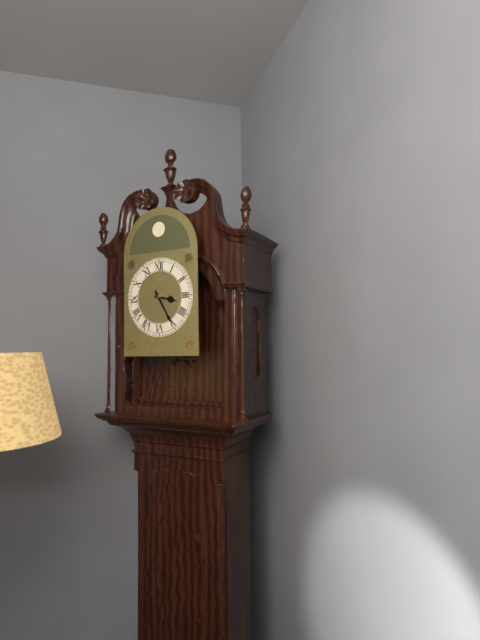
3 h 25 min
